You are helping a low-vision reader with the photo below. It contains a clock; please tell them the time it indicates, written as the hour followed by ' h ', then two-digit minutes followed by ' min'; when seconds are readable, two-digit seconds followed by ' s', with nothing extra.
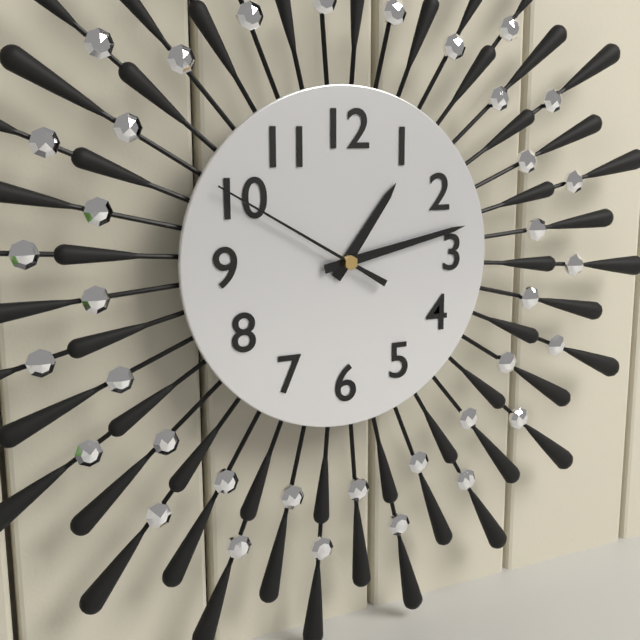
1 h 13 min 50 s
